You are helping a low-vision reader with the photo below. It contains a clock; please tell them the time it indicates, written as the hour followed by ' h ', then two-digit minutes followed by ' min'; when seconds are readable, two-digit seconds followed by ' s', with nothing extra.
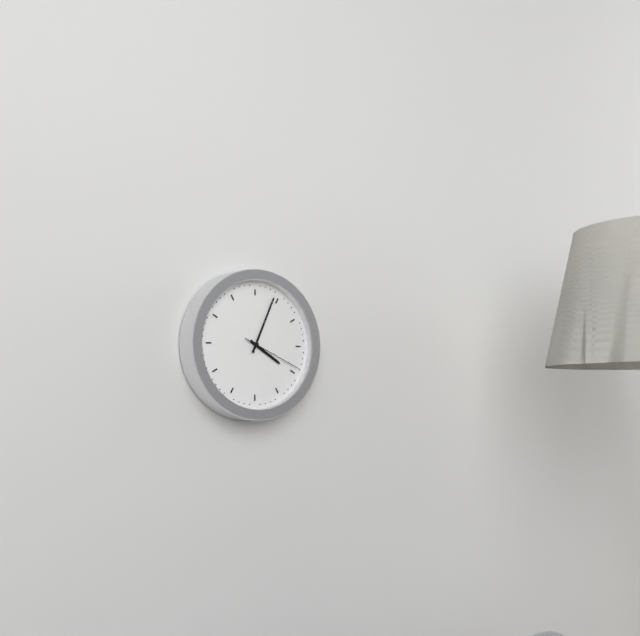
4 h 04 min 19 s
